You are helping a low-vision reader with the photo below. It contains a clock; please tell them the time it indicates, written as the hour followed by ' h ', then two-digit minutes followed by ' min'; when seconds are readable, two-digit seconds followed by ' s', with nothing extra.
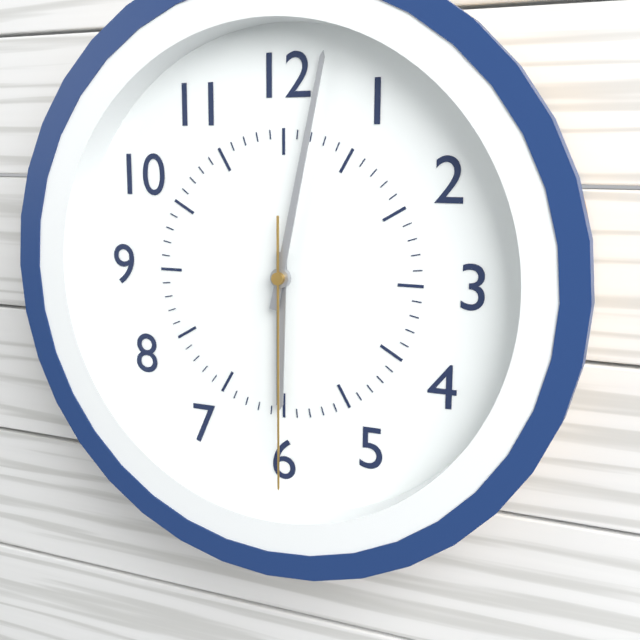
6 h 02 min 30 s
